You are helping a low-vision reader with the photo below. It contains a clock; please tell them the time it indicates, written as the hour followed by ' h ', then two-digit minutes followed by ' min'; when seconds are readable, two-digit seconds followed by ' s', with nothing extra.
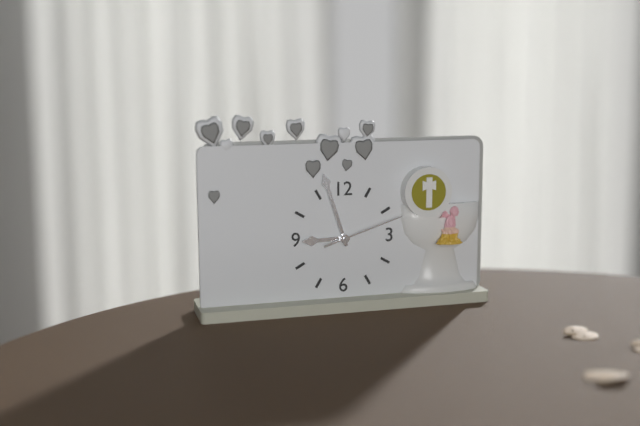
8 h 57 min 12 s
